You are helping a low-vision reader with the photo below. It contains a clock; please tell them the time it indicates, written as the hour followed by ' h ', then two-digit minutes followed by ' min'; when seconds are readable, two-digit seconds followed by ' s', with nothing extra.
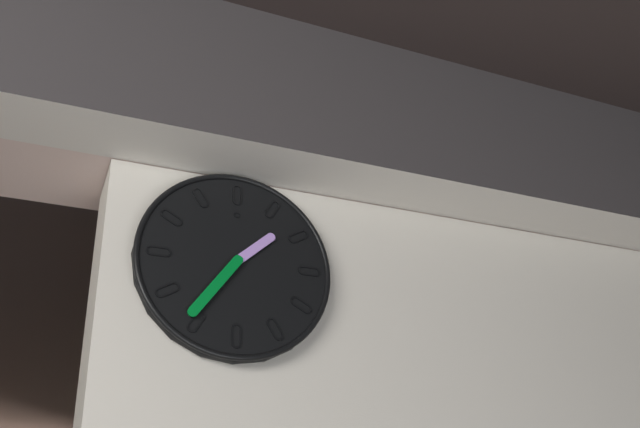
1 h 36 min
